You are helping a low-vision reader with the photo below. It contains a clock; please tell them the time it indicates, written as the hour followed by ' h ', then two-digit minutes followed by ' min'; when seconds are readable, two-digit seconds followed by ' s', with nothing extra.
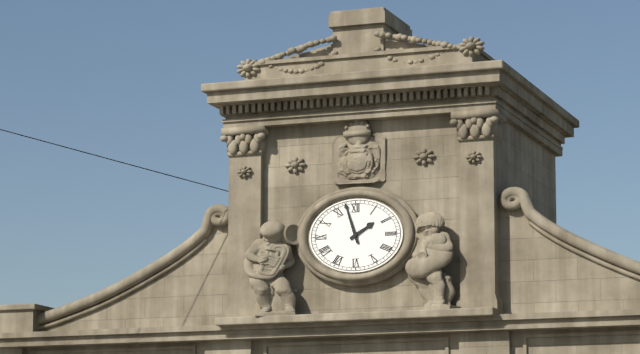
1 h 57 min
